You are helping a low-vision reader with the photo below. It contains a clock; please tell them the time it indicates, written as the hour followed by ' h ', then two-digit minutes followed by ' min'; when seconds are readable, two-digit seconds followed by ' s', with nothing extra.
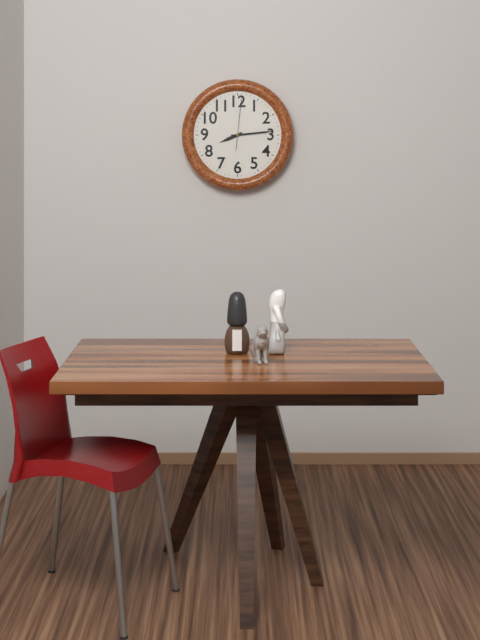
8 h 14 min
